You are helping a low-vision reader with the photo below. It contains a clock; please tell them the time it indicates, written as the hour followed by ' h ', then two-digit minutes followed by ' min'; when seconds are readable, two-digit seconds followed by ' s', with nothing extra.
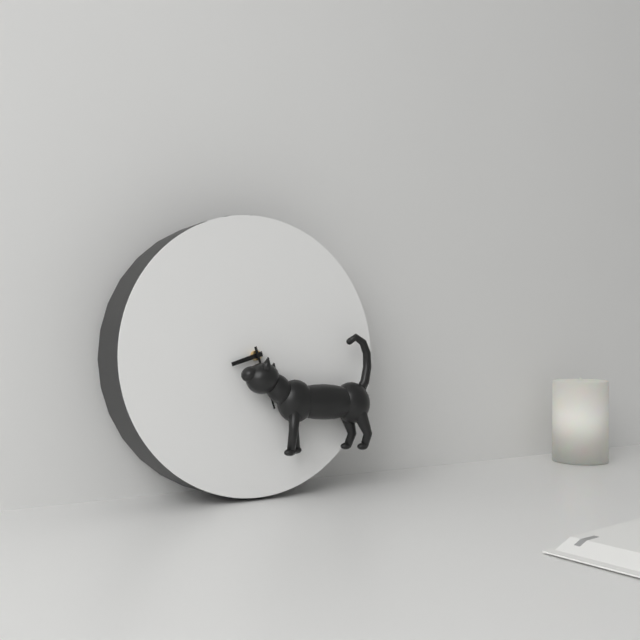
8 h 27 min
